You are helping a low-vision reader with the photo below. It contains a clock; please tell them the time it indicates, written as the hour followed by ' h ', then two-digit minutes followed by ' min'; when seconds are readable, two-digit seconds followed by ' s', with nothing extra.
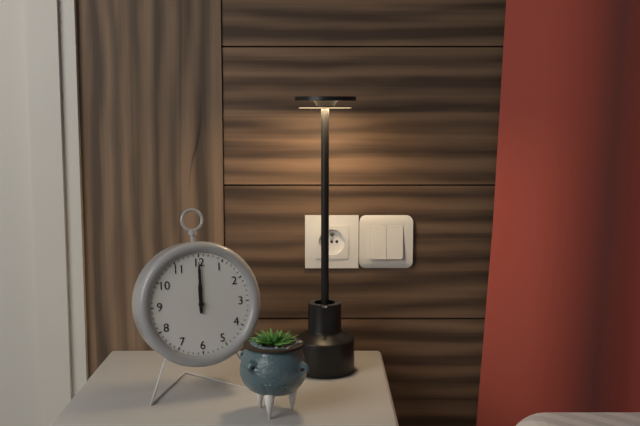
12 h 00 min
